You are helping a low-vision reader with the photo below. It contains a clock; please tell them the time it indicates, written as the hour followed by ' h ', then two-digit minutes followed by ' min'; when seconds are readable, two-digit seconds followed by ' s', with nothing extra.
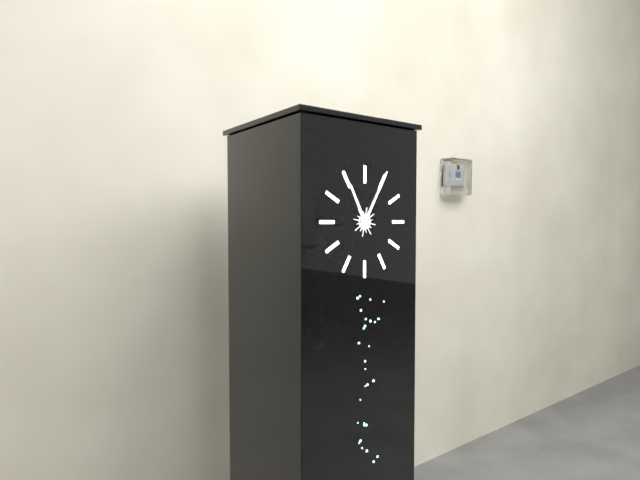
11 h 05 min
